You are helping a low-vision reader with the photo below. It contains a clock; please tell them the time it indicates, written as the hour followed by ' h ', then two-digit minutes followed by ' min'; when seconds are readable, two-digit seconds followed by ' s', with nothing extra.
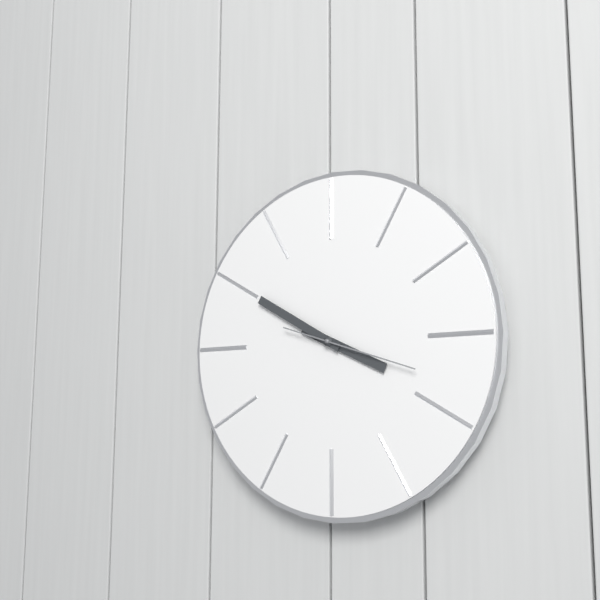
3 h 50 min 18 s
